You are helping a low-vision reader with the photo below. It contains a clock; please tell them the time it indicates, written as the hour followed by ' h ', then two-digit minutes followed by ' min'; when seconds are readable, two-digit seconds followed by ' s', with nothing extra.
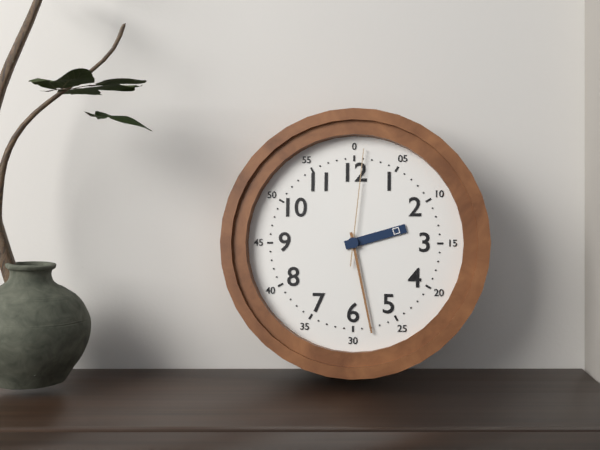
2 h 28 min 01 s
